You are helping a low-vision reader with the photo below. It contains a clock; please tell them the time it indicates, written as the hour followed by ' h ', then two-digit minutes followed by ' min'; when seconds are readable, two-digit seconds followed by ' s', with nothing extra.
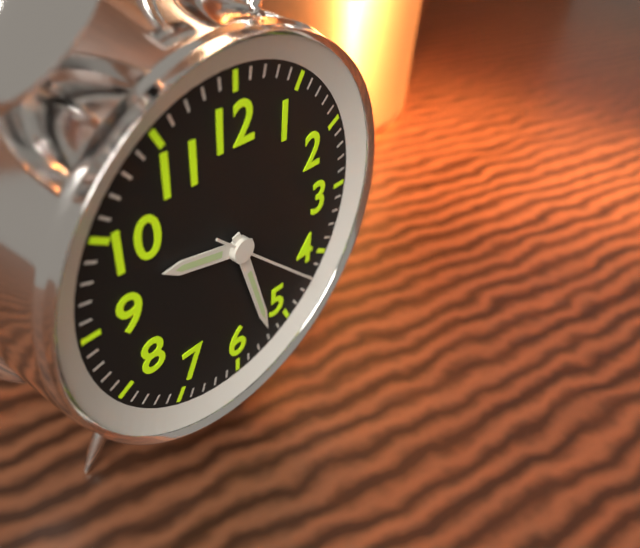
9 h 27 min 22 s
